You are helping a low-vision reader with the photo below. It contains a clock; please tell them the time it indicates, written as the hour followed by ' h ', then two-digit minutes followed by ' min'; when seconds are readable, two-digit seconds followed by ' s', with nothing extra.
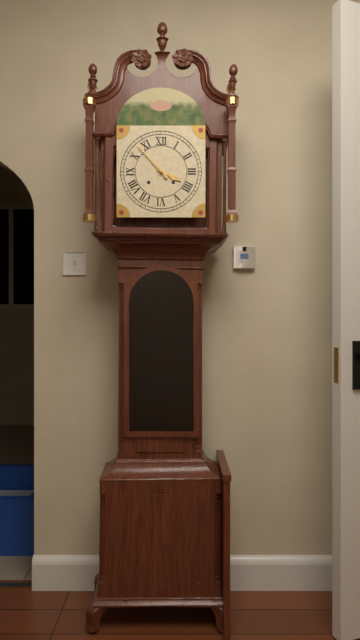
3 h 53 min
